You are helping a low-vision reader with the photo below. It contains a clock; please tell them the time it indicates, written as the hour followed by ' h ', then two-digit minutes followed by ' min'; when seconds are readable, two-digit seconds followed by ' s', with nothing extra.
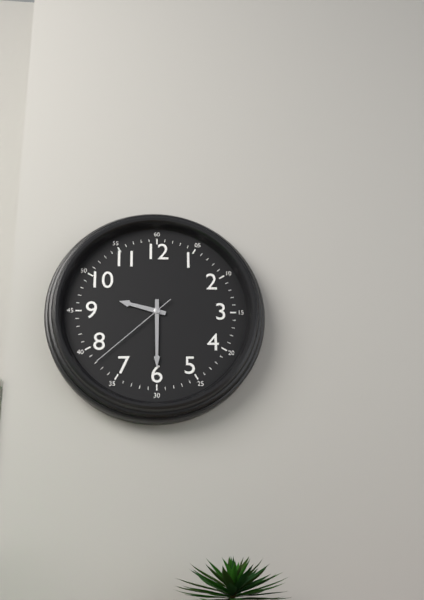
9 h 30 min 38 s
